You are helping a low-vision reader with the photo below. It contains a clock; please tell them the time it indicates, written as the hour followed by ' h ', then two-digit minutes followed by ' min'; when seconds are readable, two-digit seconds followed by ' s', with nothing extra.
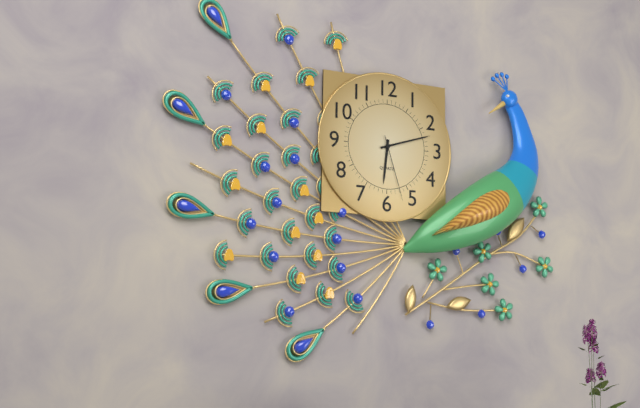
6 h 12 min 27 s
